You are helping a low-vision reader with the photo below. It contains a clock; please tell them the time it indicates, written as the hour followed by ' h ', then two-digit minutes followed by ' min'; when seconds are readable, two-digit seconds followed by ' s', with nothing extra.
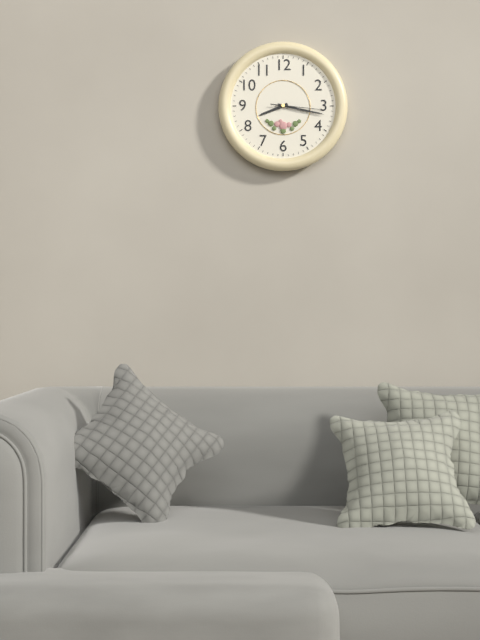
8 h 17 min 16 s
